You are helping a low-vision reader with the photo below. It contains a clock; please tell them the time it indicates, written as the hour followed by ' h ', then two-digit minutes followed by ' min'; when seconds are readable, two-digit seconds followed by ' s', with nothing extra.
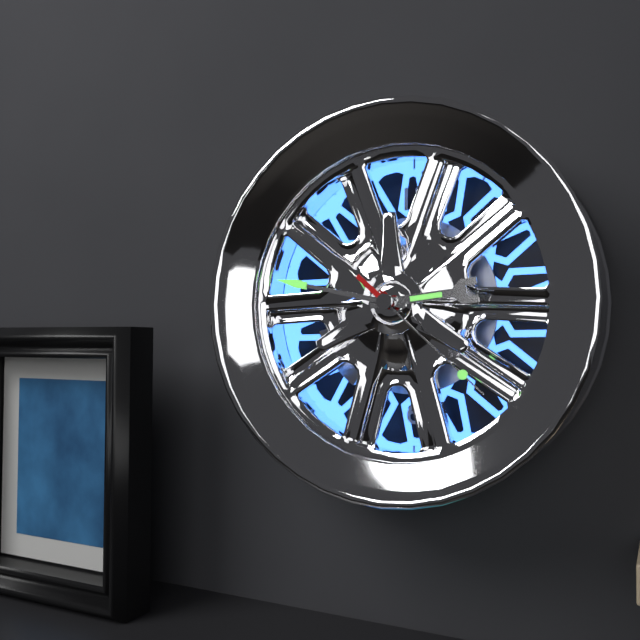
2 h 47 min 22 s
